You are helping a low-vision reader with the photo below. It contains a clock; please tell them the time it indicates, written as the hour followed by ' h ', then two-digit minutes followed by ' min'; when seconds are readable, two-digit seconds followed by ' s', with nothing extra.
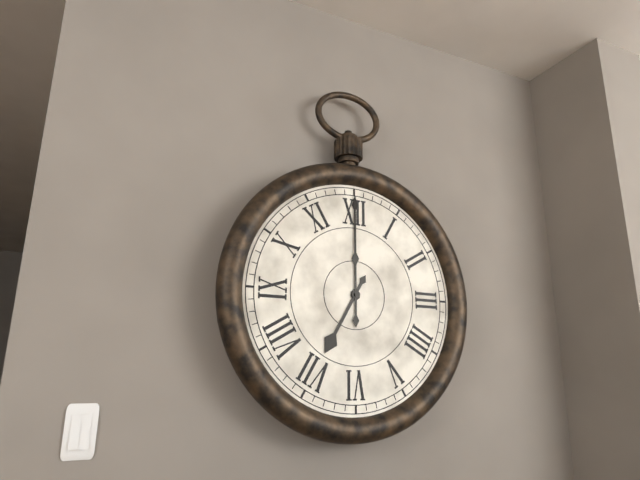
7 h 00 min
